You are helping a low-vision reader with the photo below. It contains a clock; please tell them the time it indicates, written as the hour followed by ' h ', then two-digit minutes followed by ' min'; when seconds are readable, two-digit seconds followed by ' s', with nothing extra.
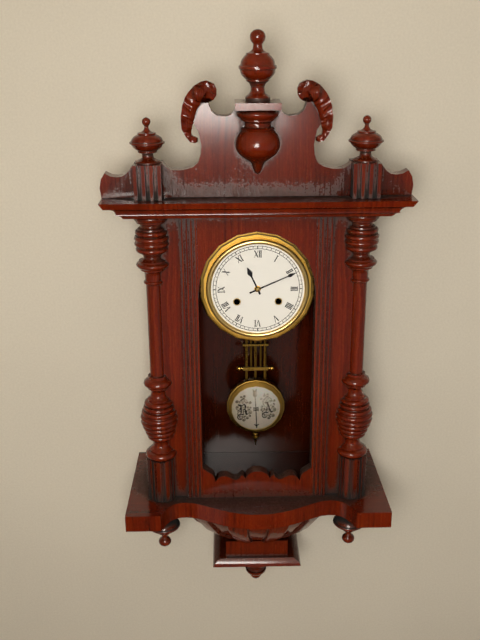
11 h 11 min
